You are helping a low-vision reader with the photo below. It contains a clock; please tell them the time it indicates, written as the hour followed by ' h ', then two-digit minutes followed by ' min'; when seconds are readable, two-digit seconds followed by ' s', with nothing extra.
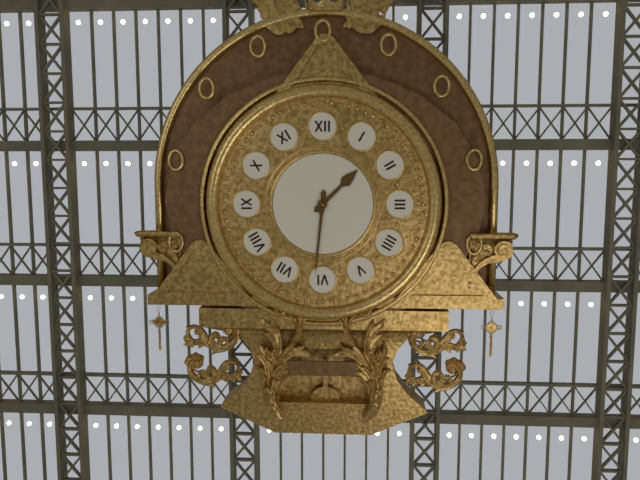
1 h 31 min
